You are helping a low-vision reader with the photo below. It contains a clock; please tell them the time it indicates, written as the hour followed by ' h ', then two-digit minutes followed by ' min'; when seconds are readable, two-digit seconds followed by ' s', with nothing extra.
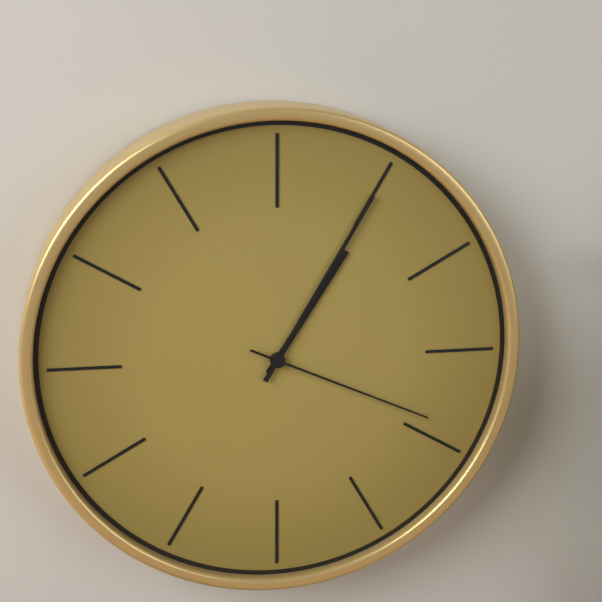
1 h 05 min 19 s
